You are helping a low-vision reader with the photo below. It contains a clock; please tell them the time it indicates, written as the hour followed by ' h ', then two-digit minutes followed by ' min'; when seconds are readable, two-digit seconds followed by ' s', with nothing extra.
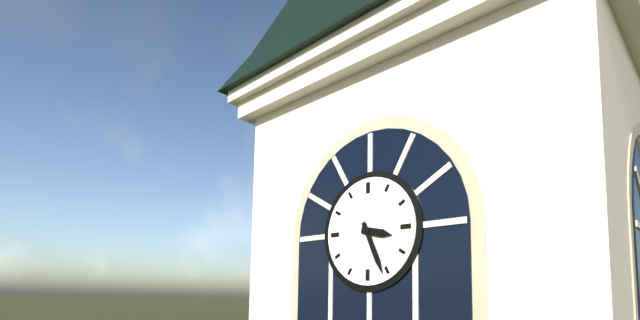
3 h 26 min
